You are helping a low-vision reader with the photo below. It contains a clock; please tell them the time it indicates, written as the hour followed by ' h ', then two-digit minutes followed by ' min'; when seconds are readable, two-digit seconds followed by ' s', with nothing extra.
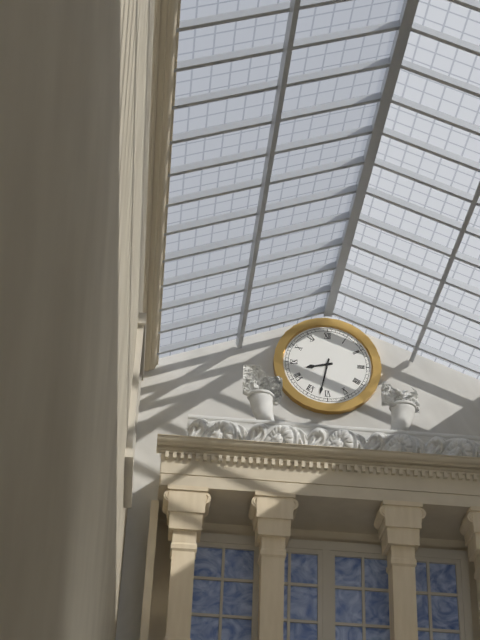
8 h 32 min
